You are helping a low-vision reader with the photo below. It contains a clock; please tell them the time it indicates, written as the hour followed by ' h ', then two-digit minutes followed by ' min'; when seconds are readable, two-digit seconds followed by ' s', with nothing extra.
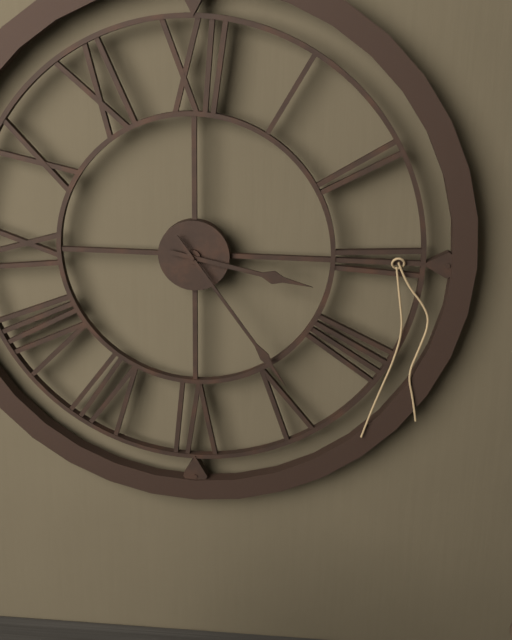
3 h 24 min
